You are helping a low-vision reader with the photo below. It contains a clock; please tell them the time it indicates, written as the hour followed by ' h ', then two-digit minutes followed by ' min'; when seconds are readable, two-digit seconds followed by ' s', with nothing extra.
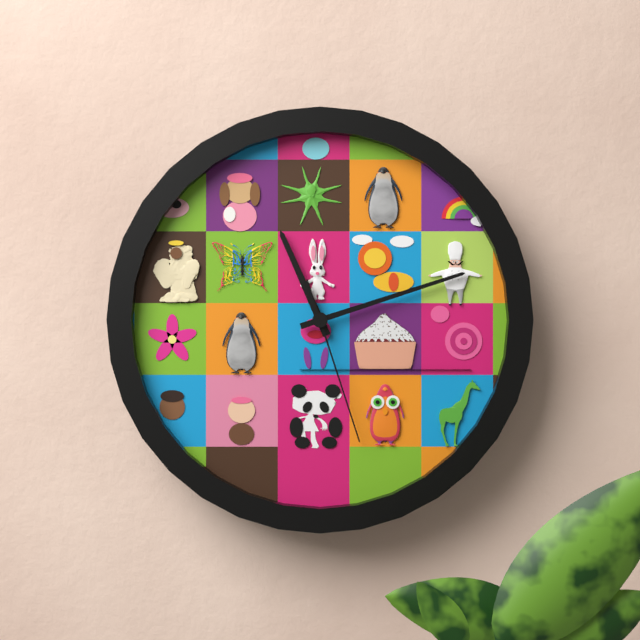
11 h 12 min 27 s
